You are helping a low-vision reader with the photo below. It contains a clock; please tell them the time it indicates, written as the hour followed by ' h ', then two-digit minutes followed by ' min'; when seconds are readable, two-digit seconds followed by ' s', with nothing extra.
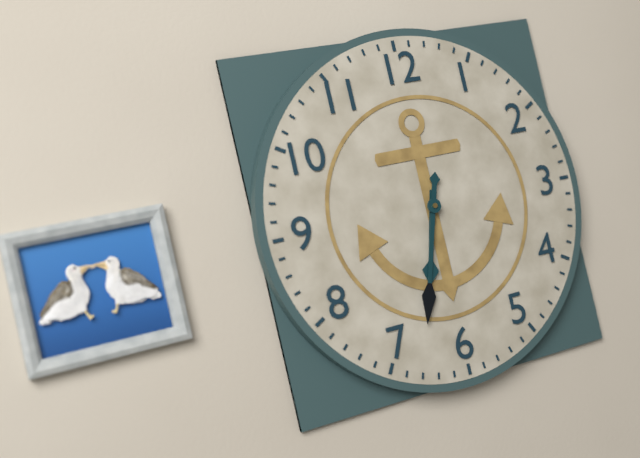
6 h 33 min
